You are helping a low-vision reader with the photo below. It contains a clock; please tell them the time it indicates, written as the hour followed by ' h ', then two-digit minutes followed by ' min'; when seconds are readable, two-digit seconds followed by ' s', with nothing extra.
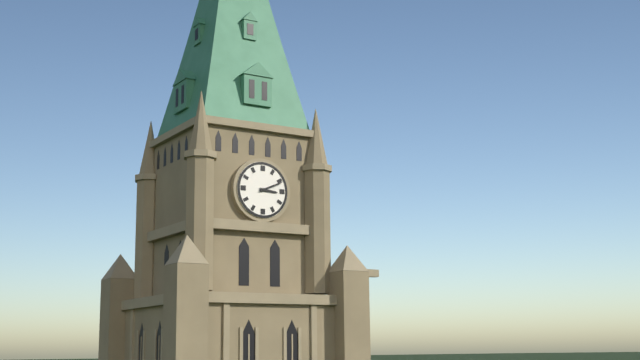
3 h 11 min
